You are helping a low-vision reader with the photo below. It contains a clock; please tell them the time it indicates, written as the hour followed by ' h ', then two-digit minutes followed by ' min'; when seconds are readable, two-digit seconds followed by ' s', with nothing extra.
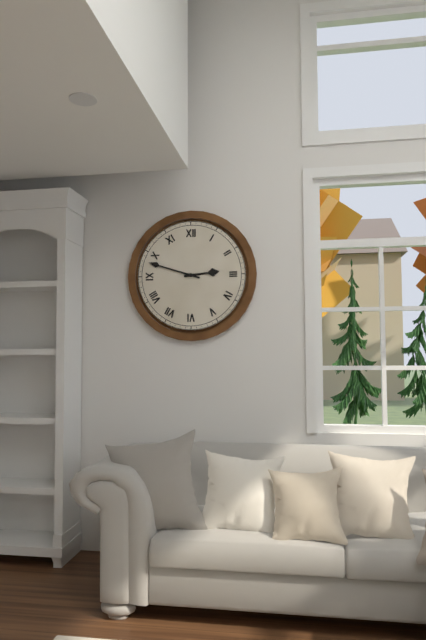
2 h 48 min
